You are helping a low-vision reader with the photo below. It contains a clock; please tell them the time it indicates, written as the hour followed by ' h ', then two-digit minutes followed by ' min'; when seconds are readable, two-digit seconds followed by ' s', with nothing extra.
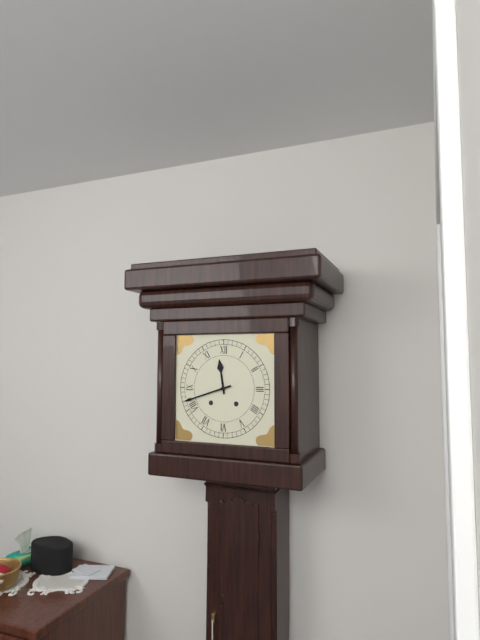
11 h 42 min
